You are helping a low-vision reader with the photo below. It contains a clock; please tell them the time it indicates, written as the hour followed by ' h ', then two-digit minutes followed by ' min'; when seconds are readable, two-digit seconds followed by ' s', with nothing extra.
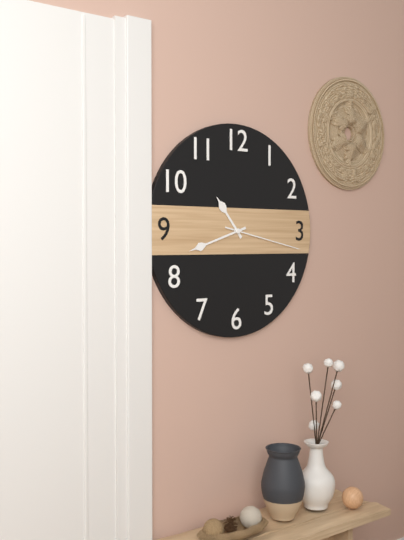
10 h 42 min 17 s
